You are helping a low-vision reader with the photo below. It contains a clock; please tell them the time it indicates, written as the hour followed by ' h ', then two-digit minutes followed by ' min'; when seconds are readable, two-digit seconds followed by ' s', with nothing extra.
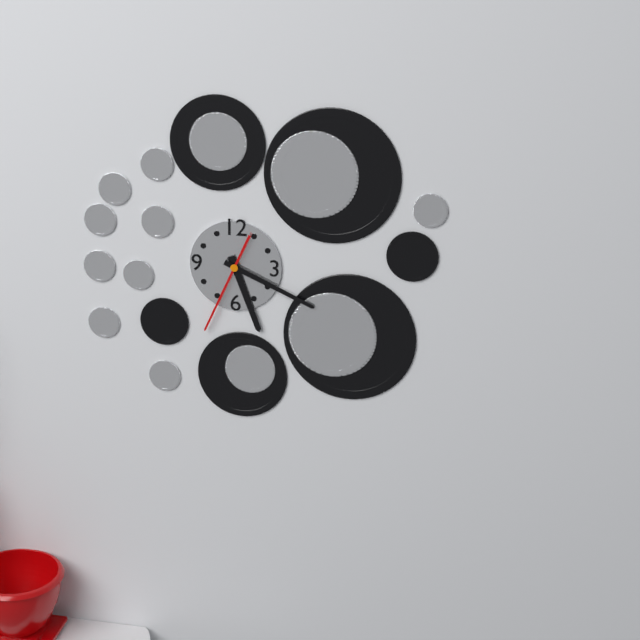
5 h 19 min 34 s
